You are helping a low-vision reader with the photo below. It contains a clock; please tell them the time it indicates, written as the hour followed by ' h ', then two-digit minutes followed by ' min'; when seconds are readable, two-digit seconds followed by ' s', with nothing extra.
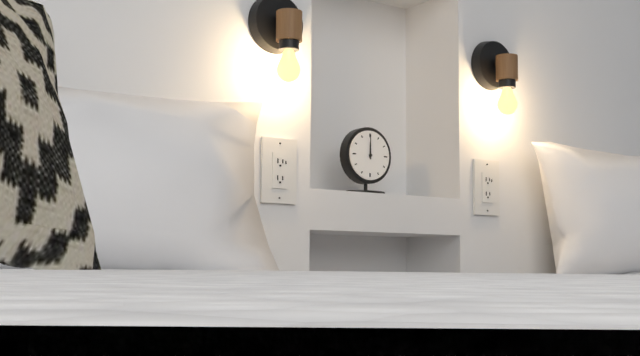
12 h 00 min
